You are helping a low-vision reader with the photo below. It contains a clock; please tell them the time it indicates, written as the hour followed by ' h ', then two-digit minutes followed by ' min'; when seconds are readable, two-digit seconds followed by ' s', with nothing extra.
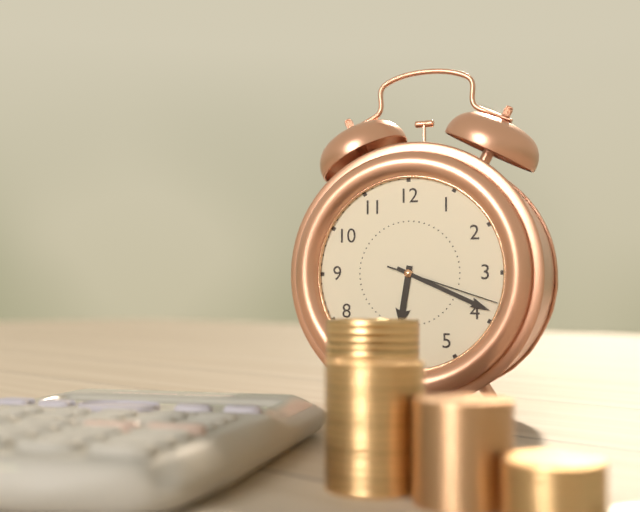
6 h 19 min 18 s
